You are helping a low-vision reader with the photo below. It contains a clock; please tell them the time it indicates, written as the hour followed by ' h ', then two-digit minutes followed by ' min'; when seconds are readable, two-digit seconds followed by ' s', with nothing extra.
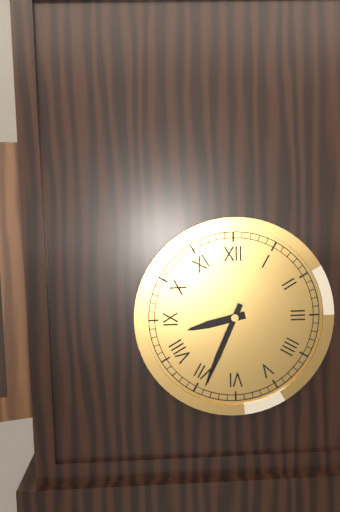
8 h 34 min
